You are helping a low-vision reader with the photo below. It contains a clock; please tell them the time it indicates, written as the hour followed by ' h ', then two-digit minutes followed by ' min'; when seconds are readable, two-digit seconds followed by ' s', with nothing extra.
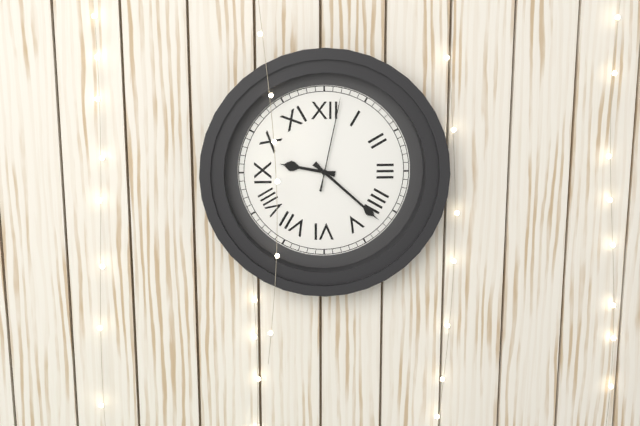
9 h 22 min 02 s
